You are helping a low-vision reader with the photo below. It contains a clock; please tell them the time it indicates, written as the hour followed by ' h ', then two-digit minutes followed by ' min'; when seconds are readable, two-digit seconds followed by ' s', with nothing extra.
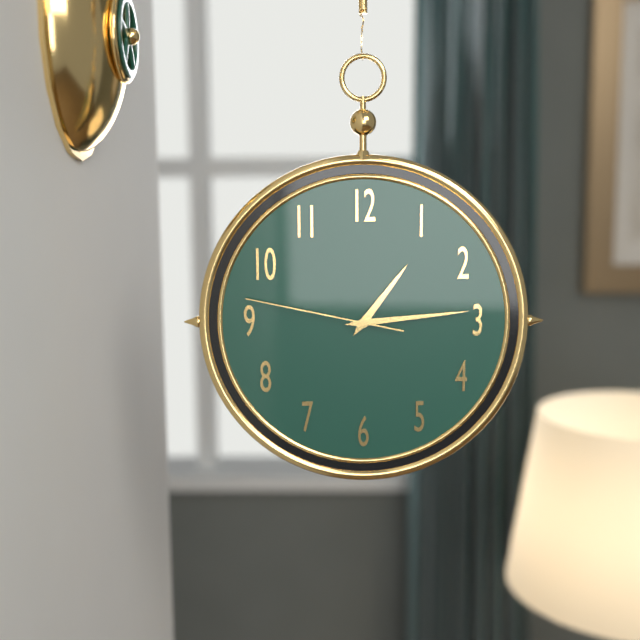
1 h 14 min 47 s
